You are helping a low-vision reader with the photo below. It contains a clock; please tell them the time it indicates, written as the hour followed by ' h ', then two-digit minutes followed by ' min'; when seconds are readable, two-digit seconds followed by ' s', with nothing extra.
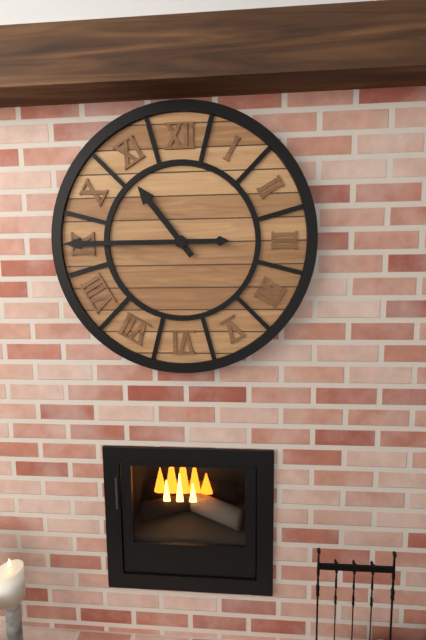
10 h 45 min
